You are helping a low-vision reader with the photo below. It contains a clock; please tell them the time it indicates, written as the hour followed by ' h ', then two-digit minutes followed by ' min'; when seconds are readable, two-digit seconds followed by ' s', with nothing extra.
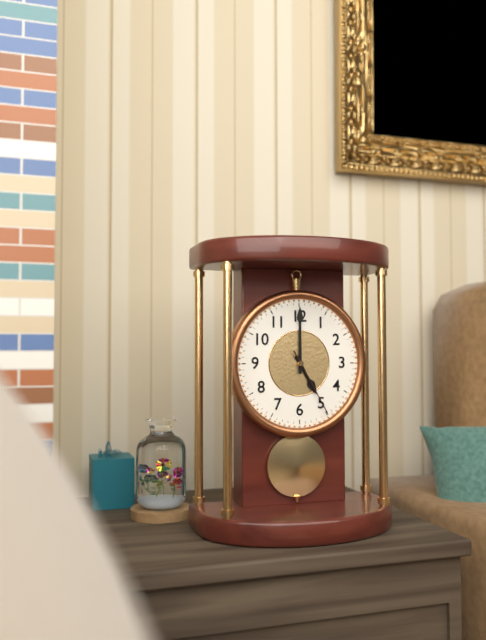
5 h 00 min 25 s
